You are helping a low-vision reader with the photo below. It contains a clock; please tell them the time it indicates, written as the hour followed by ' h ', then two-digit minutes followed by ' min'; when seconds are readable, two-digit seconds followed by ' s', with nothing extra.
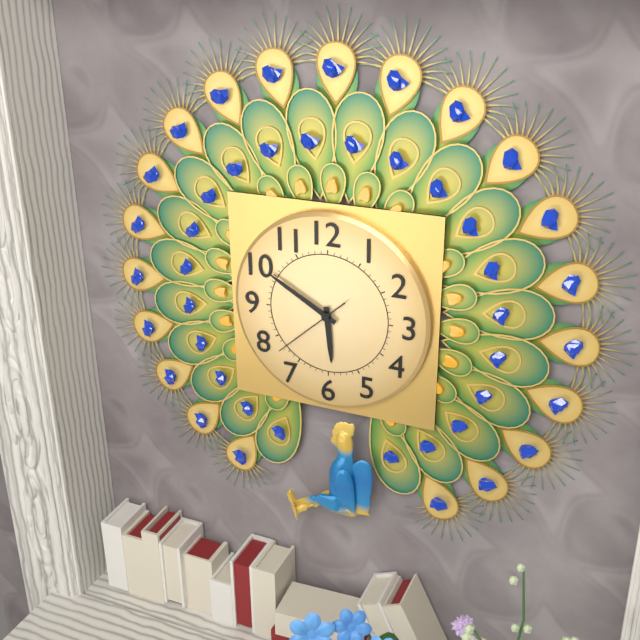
5 h 50 min 38 s
